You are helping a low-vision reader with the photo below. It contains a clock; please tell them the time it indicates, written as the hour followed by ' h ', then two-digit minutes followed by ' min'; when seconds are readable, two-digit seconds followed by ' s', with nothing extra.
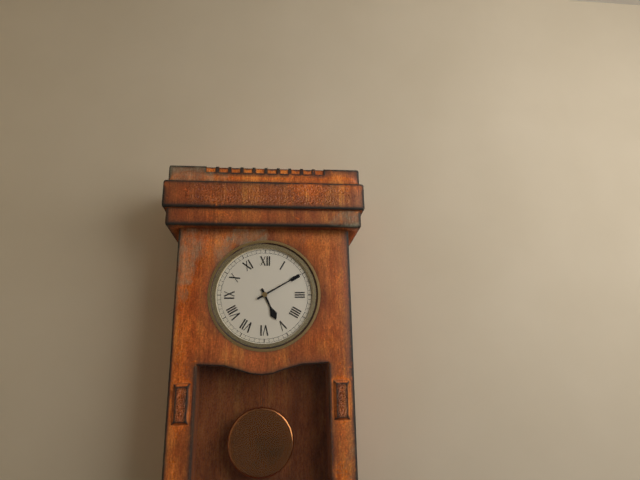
5 h 10 min
